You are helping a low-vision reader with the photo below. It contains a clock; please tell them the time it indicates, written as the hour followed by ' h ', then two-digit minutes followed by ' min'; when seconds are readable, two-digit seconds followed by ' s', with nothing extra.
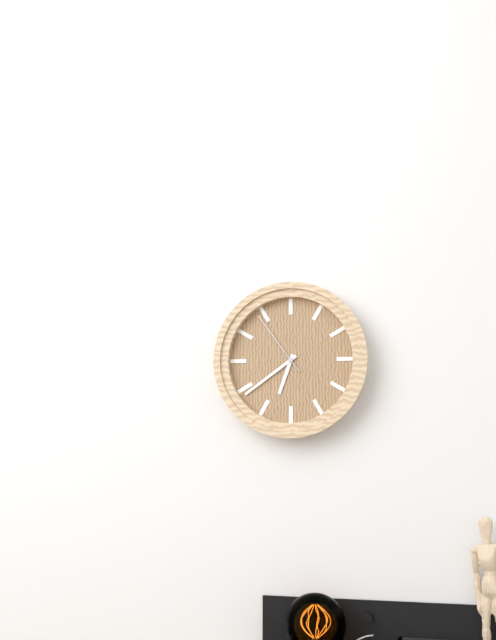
6 h 39 min 54 s
